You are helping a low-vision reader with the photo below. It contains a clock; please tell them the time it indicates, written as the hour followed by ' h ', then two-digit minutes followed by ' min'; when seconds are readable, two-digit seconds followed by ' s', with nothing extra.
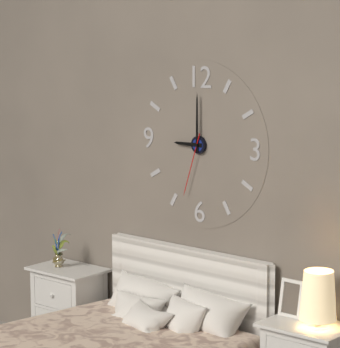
9 h 00 min 33 s
